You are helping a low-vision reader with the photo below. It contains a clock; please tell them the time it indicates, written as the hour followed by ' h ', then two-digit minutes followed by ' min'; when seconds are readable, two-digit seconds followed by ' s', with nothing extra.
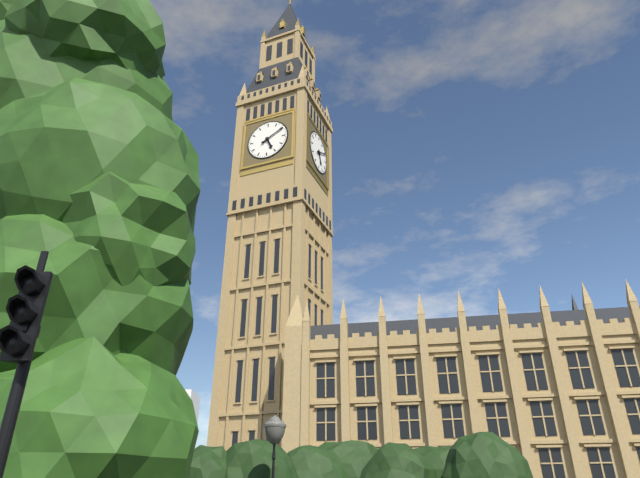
5 h 10 min
